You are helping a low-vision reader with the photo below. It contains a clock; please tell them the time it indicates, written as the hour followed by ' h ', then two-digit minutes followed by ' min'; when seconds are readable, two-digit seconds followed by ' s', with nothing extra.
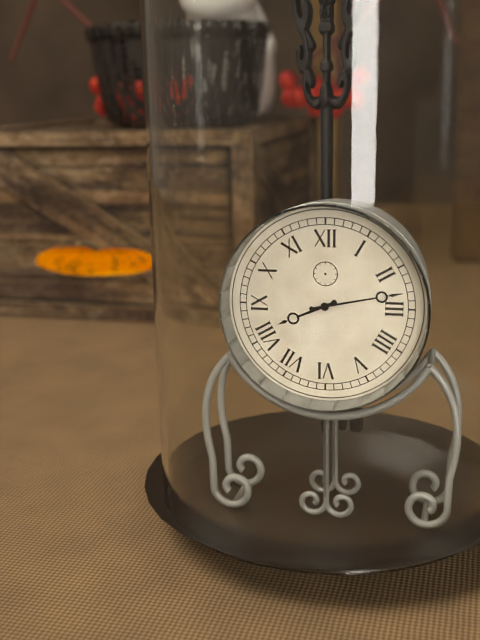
8 h 13 min
